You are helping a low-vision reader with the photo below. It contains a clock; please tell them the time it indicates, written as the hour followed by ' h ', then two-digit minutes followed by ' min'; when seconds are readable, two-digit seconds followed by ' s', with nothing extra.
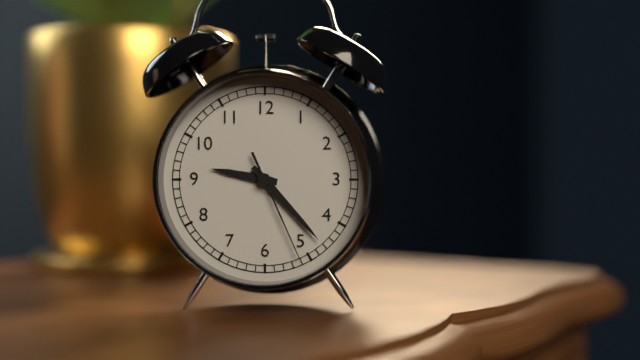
9 h 23 min 26 s
